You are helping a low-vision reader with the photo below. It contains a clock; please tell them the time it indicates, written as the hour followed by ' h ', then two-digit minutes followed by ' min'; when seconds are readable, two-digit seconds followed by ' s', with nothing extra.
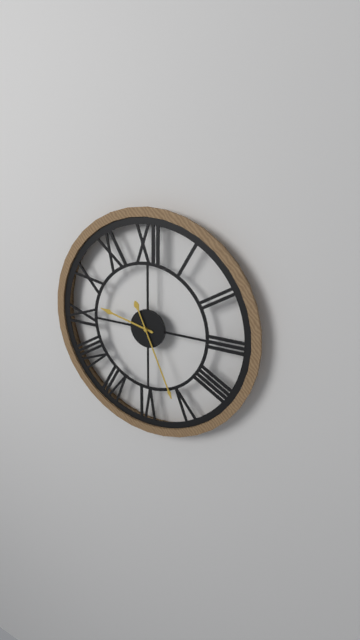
9 h 26 min
